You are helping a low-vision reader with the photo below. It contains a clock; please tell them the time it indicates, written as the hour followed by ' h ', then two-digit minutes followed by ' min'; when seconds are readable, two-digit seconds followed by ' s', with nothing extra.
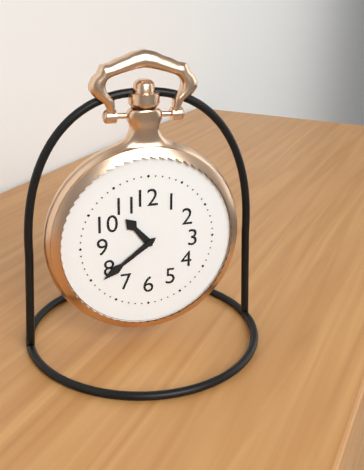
10 h 39 min
